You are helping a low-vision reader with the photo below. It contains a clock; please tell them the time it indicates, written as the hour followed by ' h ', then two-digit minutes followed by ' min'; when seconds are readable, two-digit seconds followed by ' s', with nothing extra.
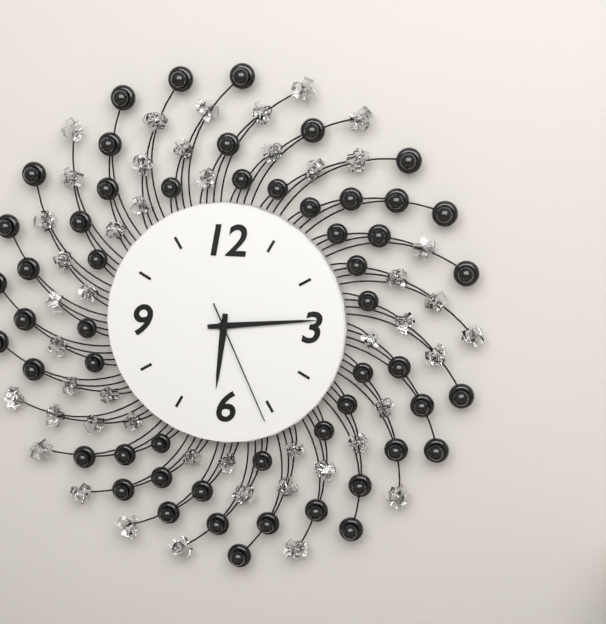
6 h 14 min 26 s
